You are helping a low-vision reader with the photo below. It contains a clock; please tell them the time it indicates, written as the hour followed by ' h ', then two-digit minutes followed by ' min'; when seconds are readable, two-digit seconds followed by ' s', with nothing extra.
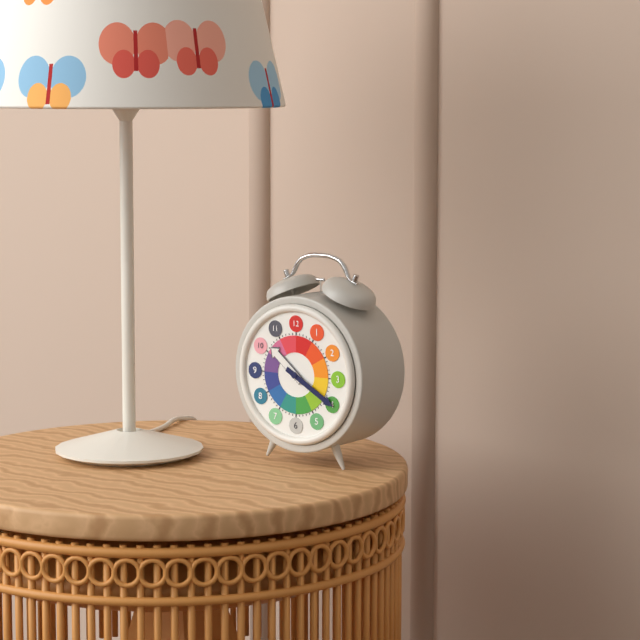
10 h 20 min
